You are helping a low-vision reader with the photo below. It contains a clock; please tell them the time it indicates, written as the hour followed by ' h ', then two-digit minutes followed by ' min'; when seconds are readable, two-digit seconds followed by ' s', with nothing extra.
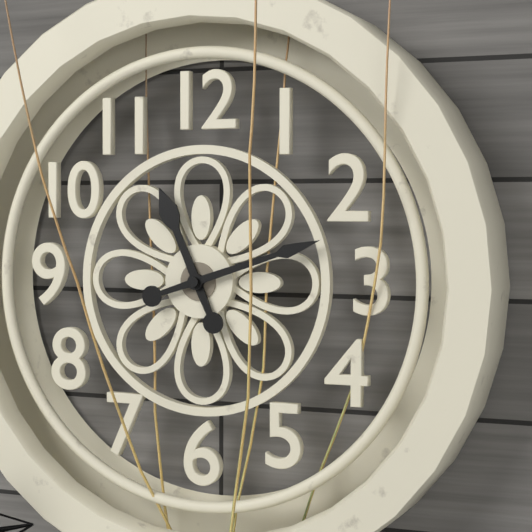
11 h 12 min
